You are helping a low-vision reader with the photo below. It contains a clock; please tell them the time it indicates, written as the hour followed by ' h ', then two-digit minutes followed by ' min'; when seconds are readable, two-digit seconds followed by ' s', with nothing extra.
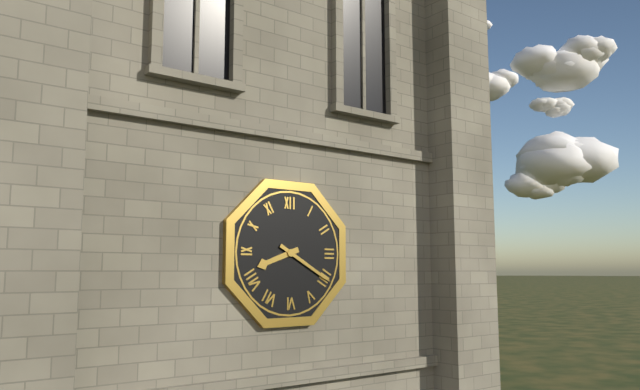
8 h 20 min
